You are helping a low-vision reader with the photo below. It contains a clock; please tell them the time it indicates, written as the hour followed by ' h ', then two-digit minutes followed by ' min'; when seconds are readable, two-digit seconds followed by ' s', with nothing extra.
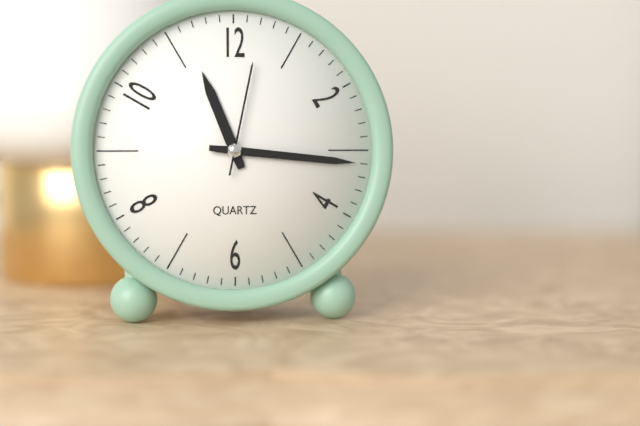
11 h 16 min 02 s
